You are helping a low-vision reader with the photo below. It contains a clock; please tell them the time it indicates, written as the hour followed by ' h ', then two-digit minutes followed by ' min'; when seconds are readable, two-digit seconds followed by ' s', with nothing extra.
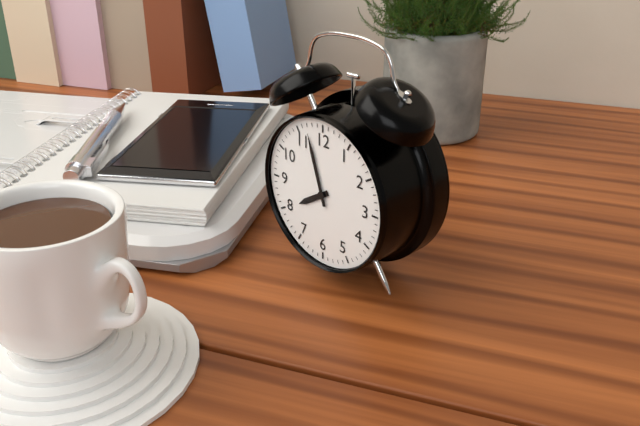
7 h 57 min
